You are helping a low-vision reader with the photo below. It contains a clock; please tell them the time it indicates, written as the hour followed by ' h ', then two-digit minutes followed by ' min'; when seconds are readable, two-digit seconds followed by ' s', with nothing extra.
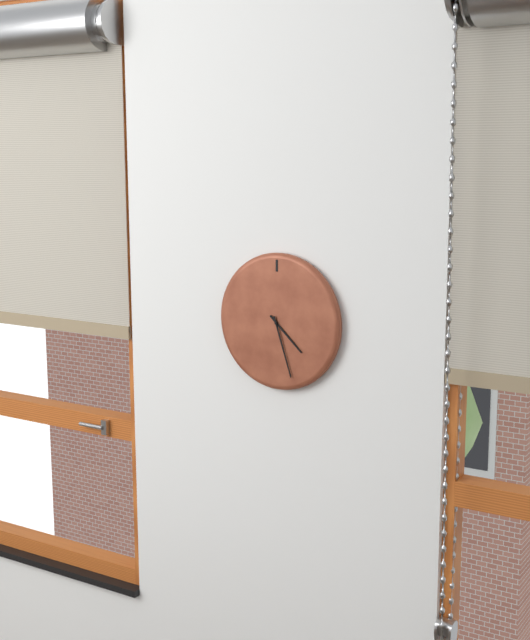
4 h 27 min
